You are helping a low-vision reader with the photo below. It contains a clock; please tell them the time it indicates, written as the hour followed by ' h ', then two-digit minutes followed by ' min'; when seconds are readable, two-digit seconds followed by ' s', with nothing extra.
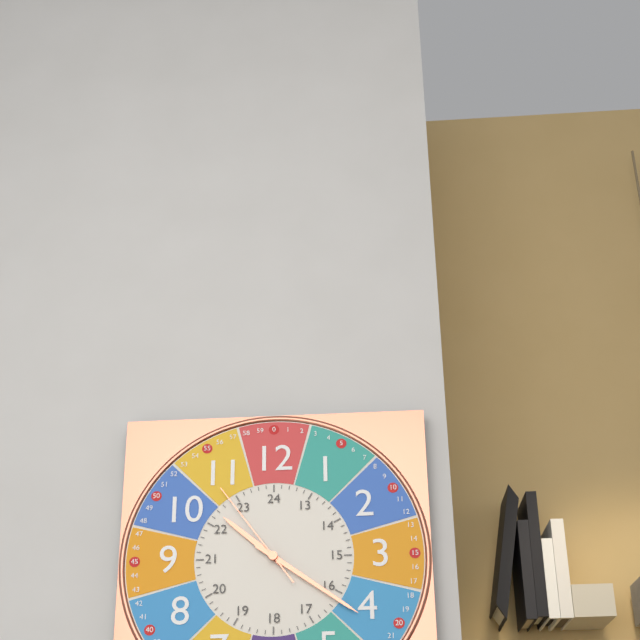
10 h 21 min 54 s
